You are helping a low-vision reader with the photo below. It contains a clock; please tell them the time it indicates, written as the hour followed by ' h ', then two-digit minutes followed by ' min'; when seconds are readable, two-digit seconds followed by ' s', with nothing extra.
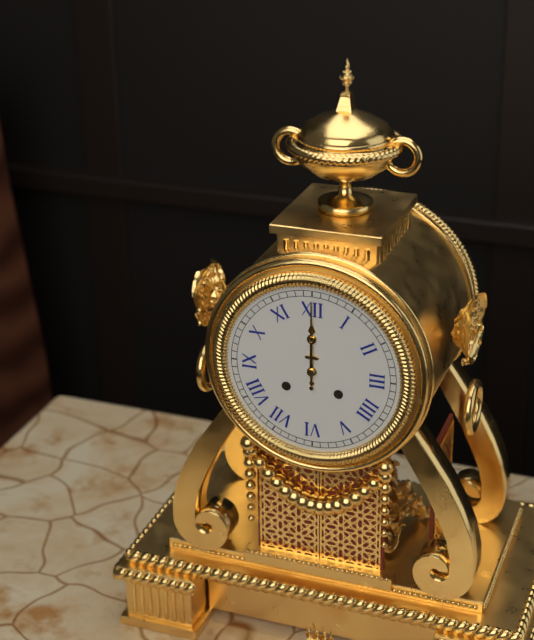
12 h 00 min
